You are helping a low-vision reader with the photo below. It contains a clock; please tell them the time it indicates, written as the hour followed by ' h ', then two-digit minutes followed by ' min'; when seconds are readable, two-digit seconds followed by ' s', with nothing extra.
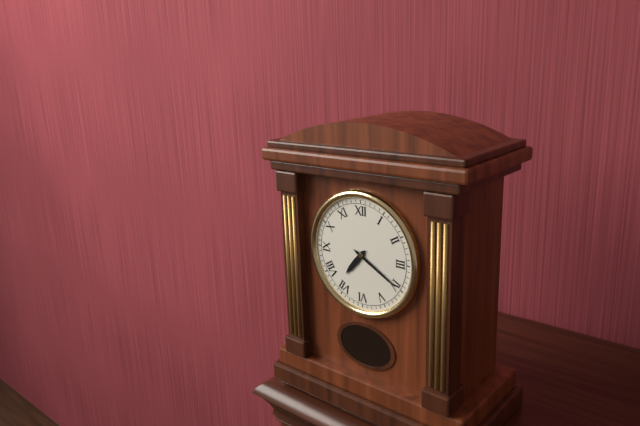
7 h 20 min
